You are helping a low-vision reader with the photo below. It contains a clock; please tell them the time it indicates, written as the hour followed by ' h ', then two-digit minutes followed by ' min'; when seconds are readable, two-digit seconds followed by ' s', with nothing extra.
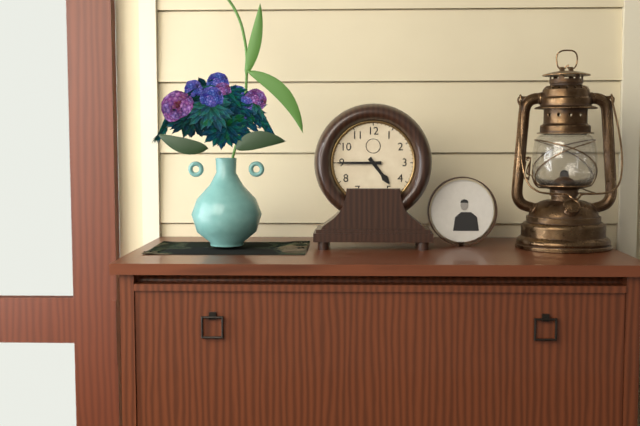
4 h 45 min
